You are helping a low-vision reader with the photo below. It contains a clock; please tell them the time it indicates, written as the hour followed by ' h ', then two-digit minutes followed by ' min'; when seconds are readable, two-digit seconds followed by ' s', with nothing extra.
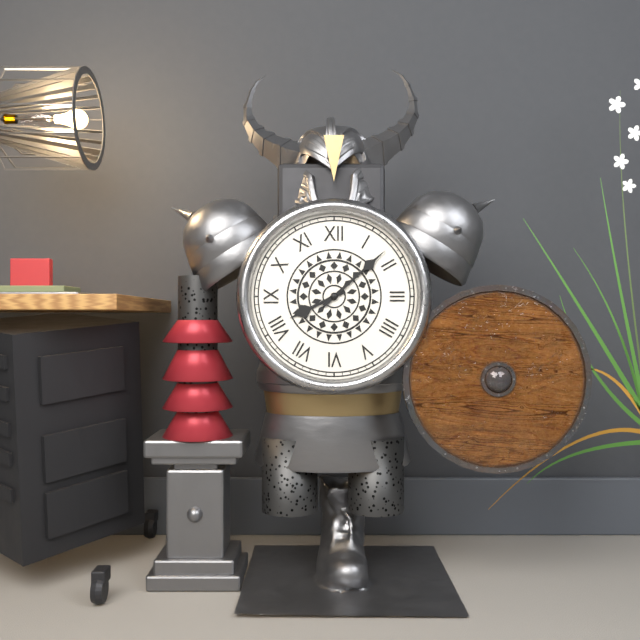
8 h 08 min
